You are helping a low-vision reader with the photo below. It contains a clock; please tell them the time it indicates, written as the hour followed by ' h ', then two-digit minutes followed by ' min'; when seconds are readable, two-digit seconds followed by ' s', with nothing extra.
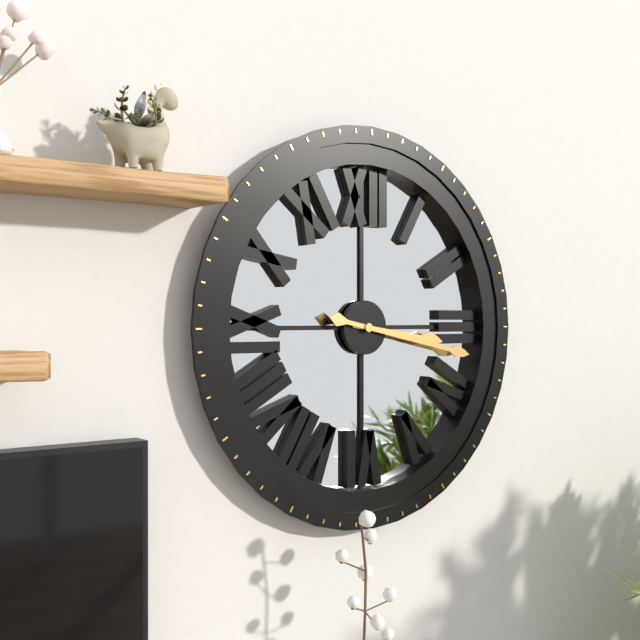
3 h 17 min
